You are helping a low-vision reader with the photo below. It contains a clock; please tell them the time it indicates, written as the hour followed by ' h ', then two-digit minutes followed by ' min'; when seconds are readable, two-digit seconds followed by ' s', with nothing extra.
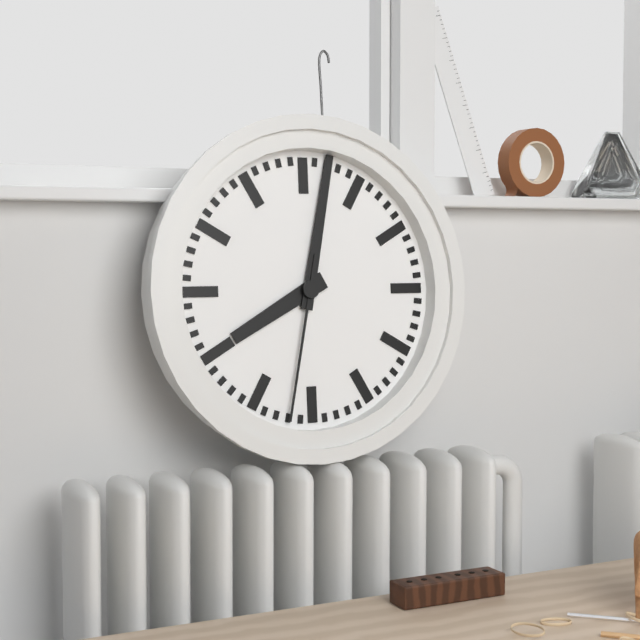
8 h 02 min 32 s
